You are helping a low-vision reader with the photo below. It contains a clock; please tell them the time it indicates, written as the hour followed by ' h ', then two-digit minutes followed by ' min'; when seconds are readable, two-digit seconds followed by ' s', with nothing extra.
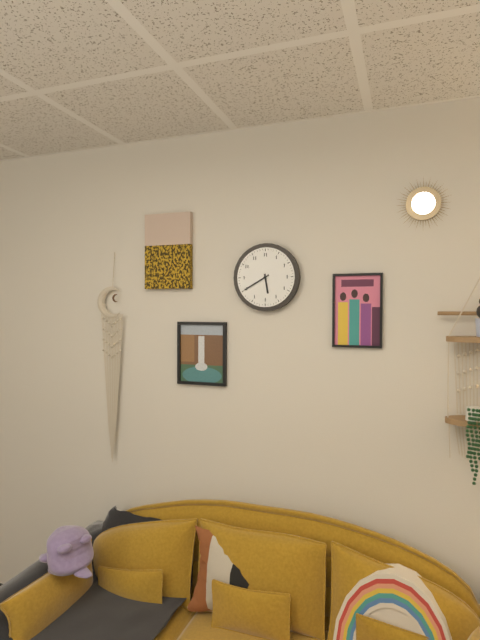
5 h 40 min
